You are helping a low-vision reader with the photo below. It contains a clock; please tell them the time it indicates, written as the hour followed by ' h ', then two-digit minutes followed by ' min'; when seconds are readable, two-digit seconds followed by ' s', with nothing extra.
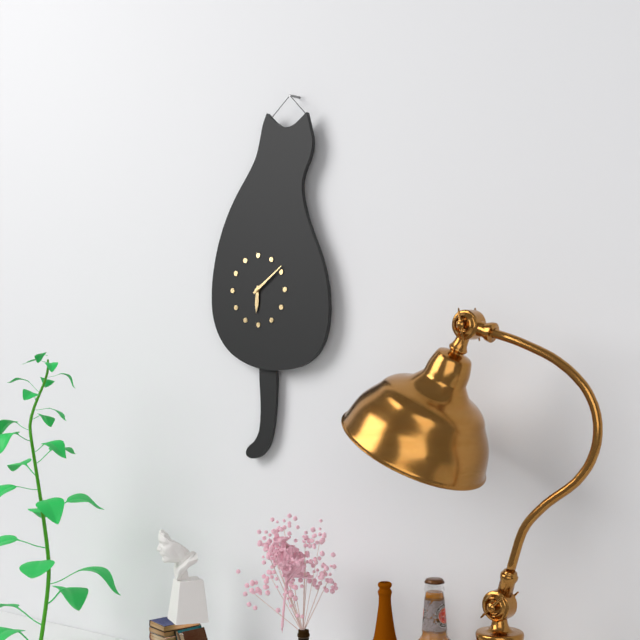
6 h 09 min
